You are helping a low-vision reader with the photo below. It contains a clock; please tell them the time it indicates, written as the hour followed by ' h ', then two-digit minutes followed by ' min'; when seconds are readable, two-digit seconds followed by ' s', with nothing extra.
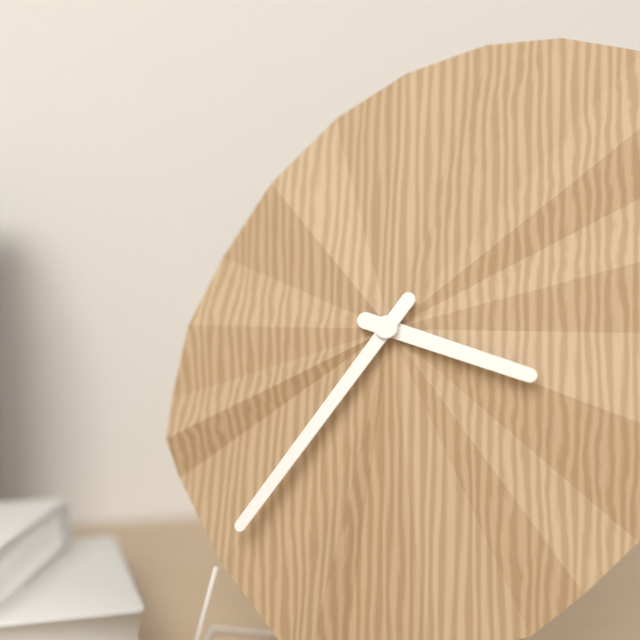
3 h 36 min
